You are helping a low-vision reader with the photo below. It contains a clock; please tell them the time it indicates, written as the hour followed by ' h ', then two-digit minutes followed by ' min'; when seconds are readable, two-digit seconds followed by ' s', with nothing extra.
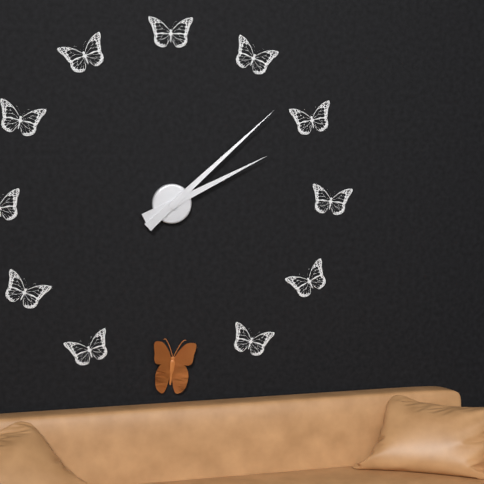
2 h 08 min
